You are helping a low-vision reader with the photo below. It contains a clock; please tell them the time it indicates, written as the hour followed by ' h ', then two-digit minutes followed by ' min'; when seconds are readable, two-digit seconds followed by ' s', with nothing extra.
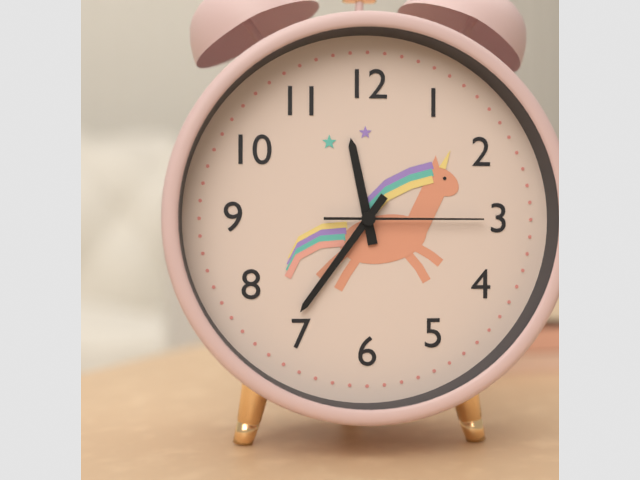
11 h 36 min 15 s
